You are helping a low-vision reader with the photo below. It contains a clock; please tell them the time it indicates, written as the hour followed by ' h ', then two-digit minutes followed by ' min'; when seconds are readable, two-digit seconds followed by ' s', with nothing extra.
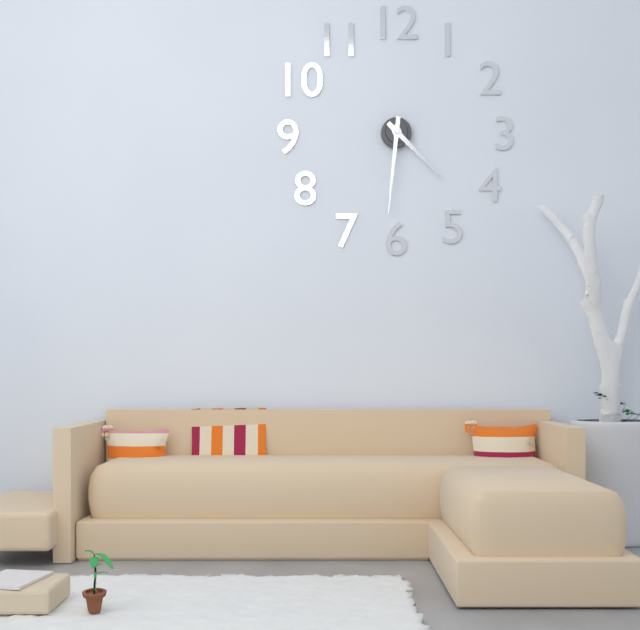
4 h 31 min
